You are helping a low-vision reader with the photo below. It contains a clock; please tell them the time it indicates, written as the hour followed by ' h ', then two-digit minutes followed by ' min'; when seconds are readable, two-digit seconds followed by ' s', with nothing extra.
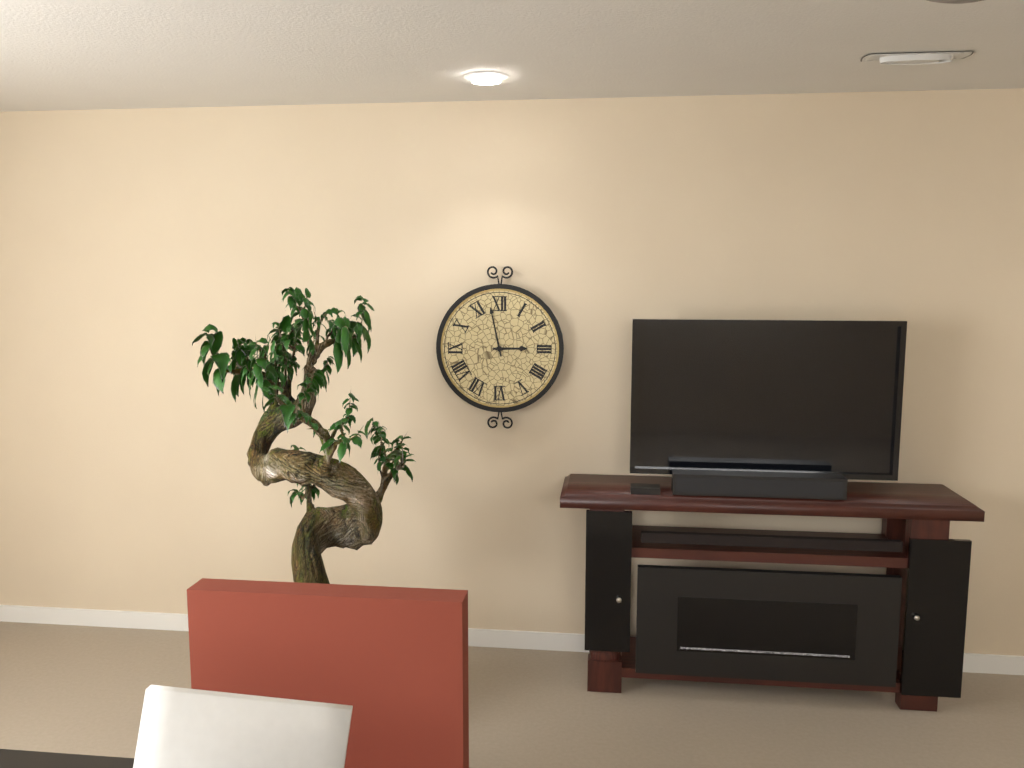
2 h 58 min
